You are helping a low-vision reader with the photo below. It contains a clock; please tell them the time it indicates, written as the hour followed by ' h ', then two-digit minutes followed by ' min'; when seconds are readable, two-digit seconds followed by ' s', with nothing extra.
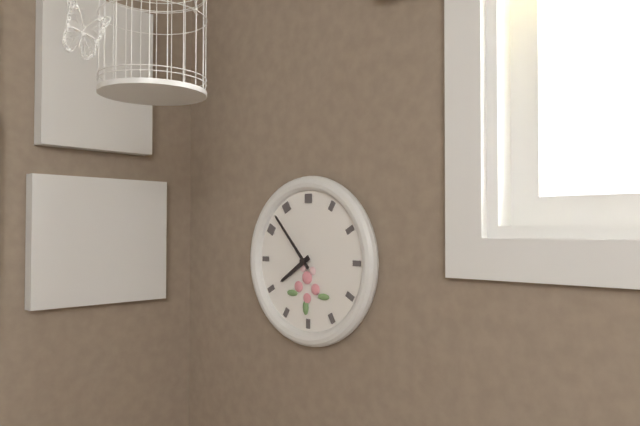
7 h 53 min
